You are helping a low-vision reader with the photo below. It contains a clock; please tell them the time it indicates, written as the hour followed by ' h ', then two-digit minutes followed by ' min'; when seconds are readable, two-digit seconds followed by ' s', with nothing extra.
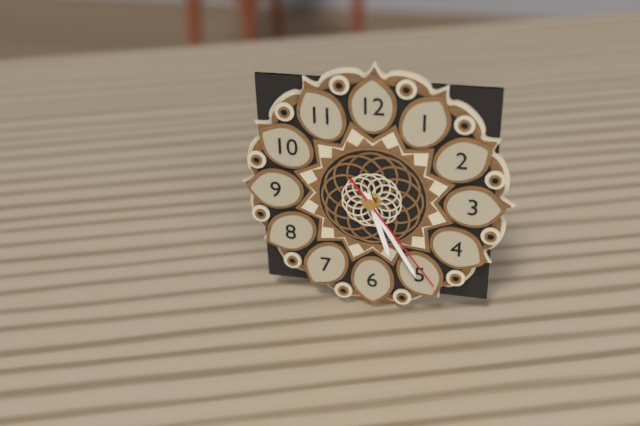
5 h 25 min 24 s
